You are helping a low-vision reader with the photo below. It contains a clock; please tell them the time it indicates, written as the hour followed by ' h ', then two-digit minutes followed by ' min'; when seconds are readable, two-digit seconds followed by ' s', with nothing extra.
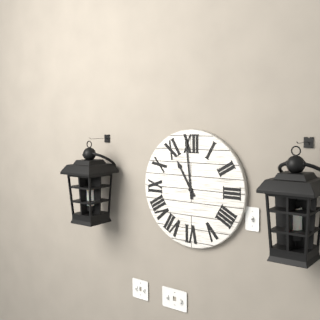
10 h 59 min
